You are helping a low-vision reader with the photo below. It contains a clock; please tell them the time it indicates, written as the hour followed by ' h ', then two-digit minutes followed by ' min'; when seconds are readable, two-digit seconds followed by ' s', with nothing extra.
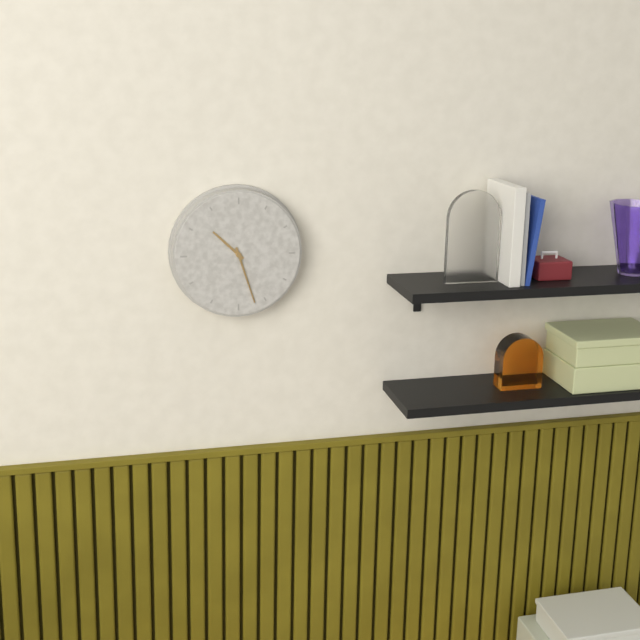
10 h 27 min
